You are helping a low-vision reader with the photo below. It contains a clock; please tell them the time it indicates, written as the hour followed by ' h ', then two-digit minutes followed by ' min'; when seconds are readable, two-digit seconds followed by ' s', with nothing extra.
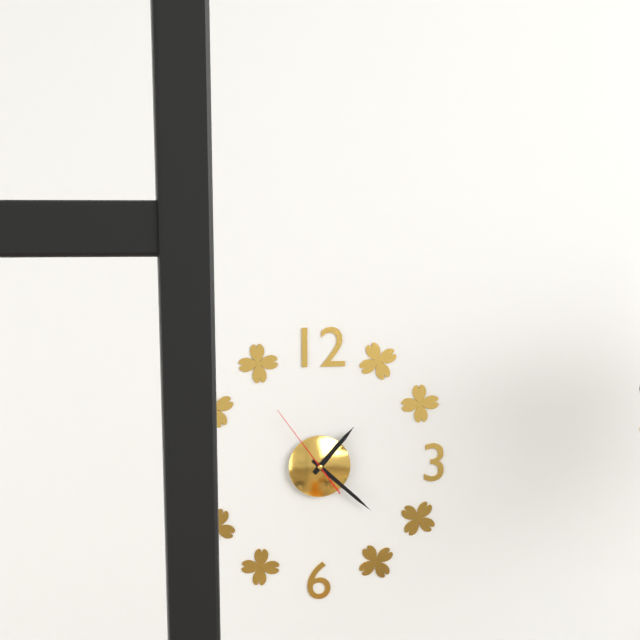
1 h 22 min 54 s
